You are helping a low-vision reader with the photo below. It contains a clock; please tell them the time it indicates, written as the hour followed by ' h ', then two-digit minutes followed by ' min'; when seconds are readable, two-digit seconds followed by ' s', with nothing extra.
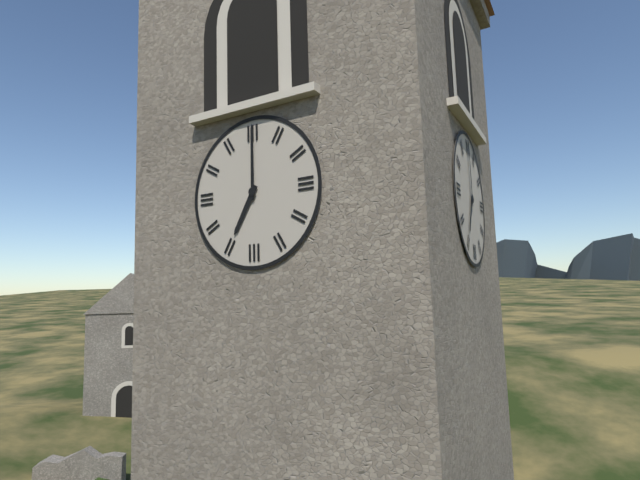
7 h 00 min
